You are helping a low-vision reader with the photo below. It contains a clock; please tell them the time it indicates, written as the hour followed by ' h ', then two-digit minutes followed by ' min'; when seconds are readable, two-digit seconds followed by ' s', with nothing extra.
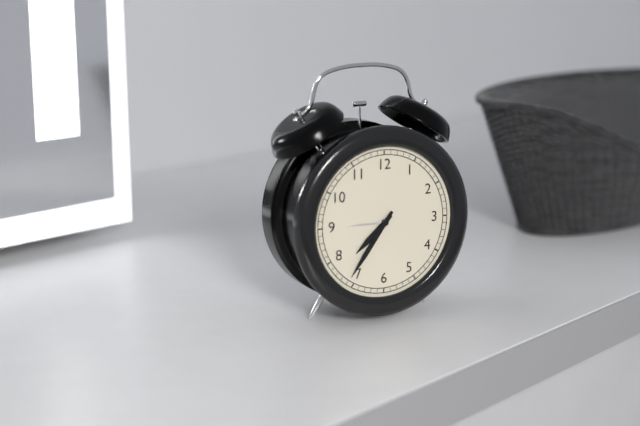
7 h 36 min
